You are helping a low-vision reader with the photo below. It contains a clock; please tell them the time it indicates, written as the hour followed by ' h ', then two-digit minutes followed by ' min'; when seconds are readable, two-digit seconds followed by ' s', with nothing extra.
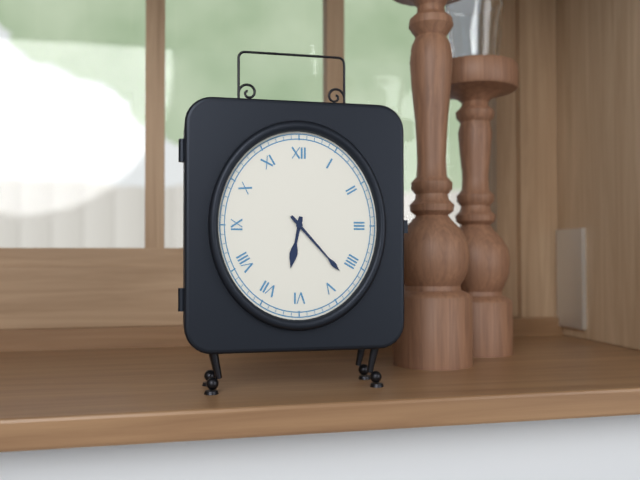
6 h 23 min
